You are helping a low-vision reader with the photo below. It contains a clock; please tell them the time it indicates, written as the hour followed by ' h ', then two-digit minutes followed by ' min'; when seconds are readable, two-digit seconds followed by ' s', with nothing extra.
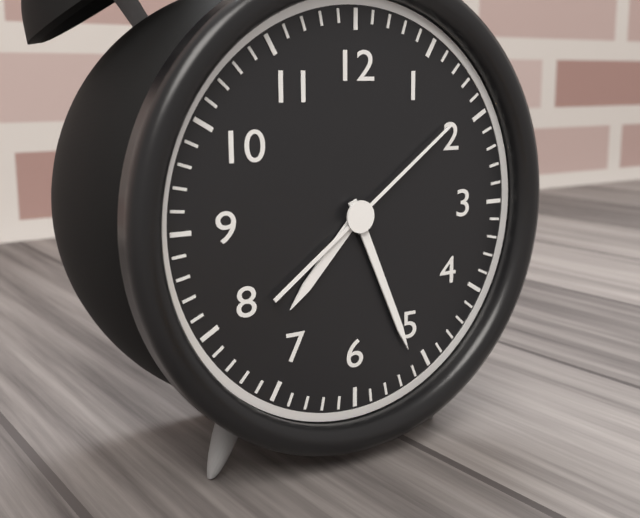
7 h 26 min 09 s
